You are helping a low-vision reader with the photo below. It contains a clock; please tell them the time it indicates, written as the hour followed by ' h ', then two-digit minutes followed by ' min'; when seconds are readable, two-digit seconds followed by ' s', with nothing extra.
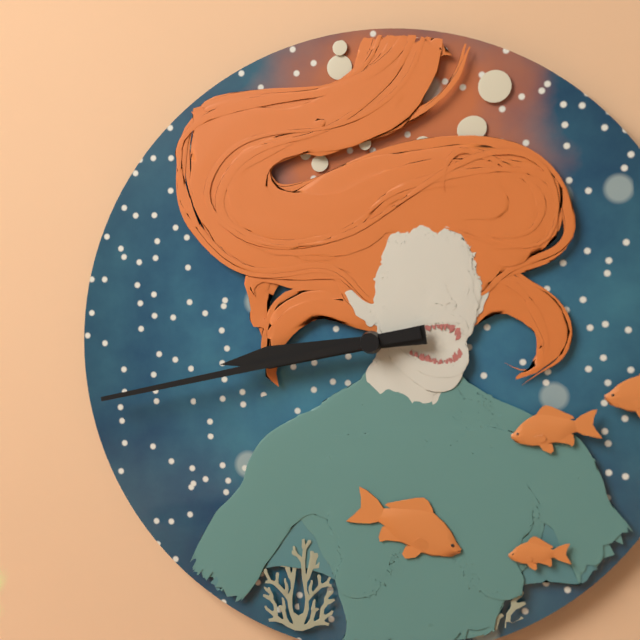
8 h 43 min
